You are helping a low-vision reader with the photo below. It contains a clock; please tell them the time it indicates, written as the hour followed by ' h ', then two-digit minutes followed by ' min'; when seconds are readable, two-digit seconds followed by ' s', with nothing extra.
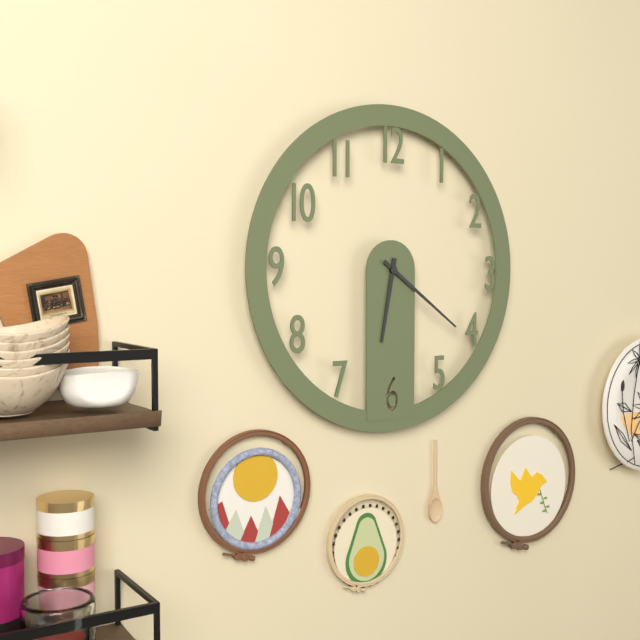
6 h 21 min
